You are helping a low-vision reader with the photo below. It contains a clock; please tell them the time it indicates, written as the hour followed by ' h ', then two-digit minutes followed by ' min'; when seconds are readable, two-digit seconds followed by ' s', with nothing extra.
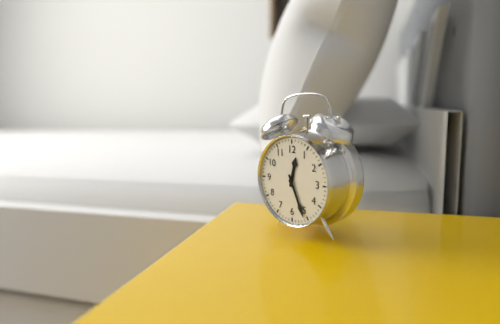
12 h 26 min
